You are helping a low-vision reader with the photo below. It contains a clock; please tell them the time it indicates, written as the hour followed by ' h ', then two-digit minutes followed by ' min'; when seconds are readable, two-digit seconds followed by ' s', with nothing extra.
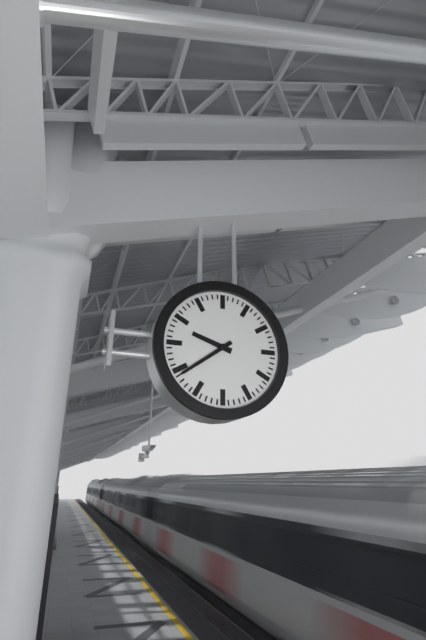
9 h 39 min
